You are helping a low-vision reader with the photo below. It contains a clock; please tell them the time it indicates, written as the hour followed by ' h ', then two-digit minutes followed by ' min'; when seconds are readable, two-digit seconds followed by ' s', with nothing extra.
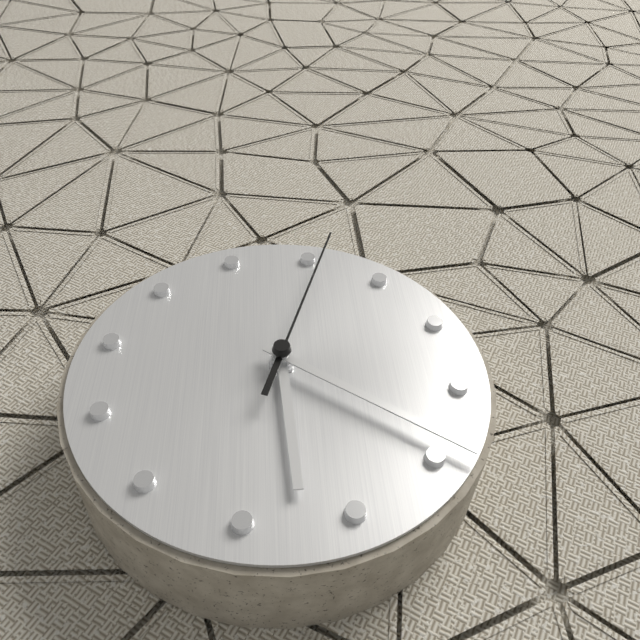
7 h 29 min 11 s
